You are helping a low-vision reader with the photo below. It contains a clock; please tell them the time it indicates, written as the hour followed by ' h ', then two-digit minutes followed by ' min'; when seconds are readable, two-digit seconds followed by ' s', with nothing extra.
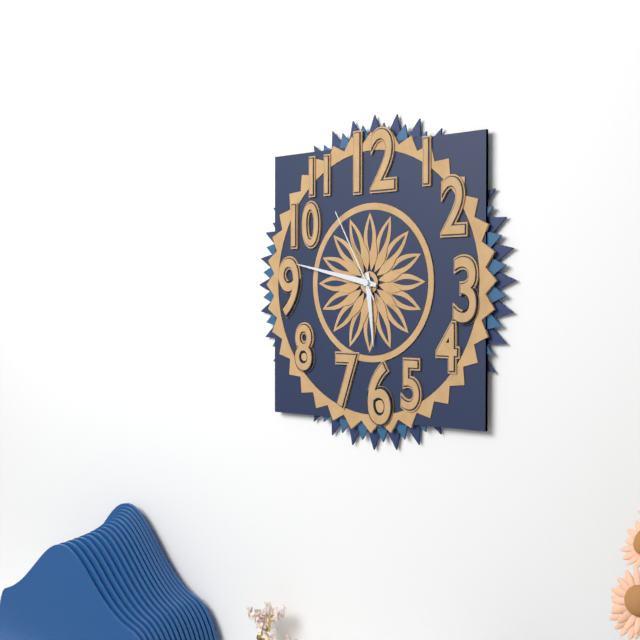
5 h 47 min 55 s
